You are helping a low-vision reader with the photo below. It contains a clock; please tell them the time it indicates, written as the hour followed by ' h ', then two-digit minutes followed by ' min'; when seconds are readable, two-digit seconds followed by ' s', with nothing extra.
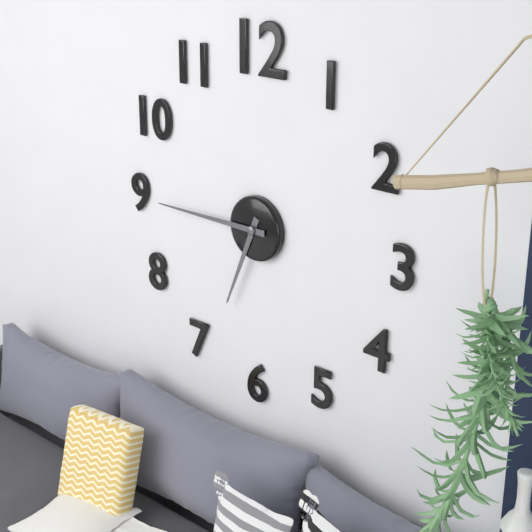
6 h 45 min
